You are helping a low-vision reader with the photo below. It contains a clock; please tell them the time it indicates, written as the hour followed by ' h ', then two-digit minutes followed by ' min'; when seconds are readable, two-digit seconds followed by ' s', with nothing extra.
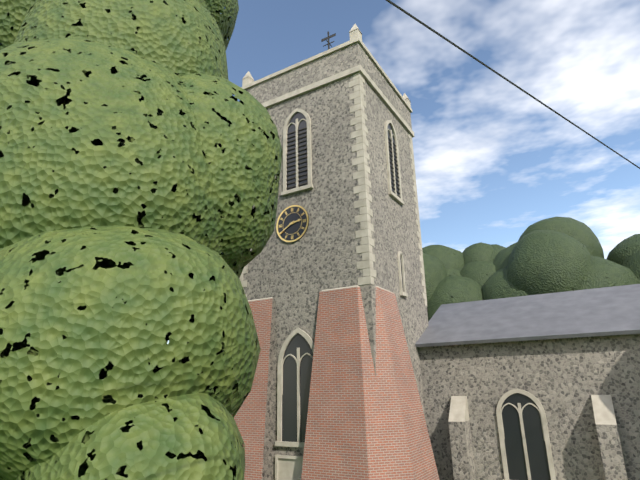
2 h 40 min
